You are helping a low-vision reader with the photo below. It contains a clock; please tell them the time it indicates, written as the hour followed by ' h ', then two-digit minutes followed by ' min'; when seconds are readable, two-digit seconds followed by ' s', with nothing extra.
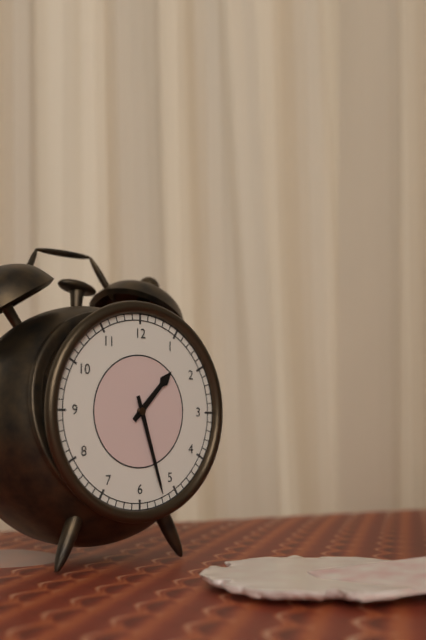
1 h 27 min
